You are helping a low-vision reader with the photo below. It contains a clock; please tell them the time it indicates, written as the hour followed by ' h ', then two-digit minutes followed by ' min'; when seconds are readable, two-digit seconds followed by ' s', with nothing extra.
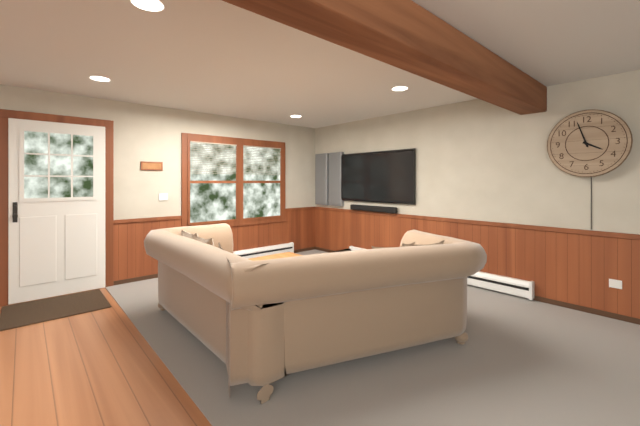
3 h 57 min
